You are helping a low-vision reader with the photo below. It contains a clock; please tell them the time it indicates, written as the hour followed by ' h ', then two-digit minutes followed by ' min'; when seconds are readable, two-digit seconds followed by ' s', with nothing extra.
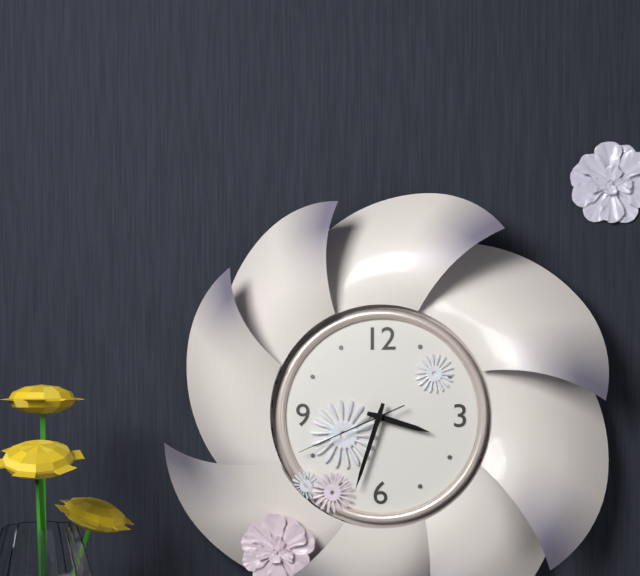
3 h 33 min 41 s
